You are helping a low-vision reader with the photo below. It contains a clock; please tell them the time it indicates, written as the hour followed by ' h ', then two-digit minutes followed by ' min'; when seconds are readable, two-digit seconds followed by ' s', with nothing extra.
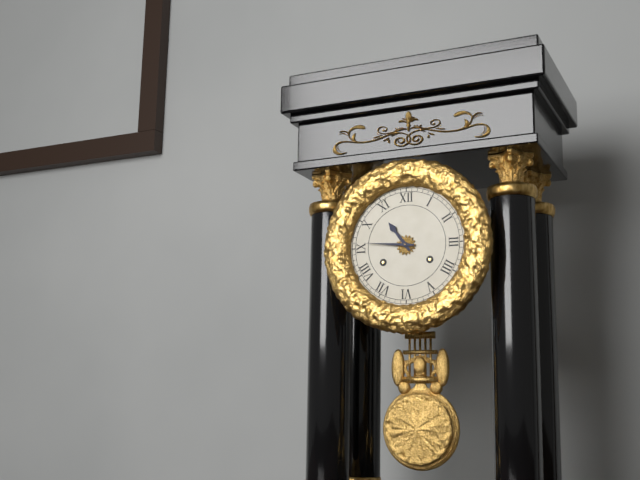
10 h 46 min
